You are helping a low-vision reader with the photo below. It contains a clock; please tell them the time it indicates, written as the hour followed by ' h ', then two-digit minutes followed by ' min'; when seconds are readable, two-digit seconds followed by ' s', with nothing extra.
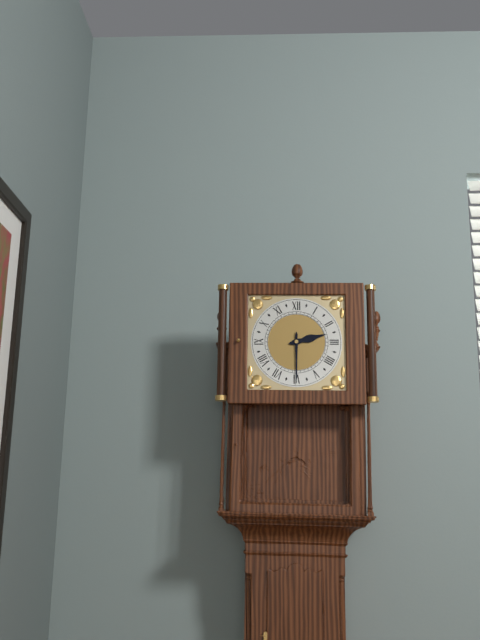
2 h 30 min
